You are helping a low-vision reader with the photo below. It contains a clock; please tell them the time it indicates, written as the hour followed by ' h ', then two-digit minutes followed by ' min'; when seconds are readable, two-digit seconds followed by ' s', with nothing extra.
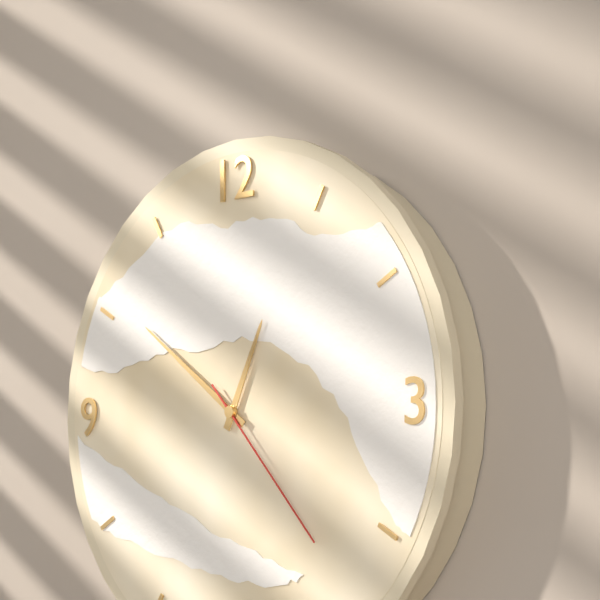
12 h 51 min 23 s
